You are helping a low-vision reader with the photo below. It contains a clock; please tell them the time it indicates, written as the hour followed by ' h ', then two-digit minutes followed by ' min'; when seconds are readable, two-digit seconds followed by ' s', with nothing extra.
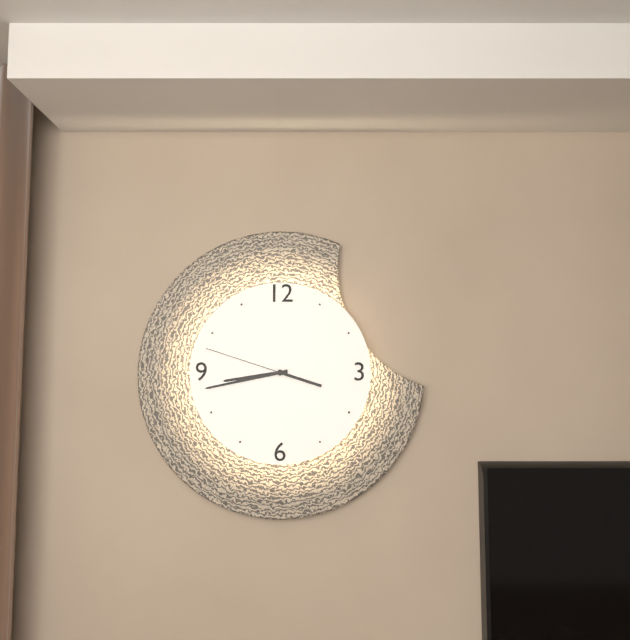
8 h 43 min 48 s
